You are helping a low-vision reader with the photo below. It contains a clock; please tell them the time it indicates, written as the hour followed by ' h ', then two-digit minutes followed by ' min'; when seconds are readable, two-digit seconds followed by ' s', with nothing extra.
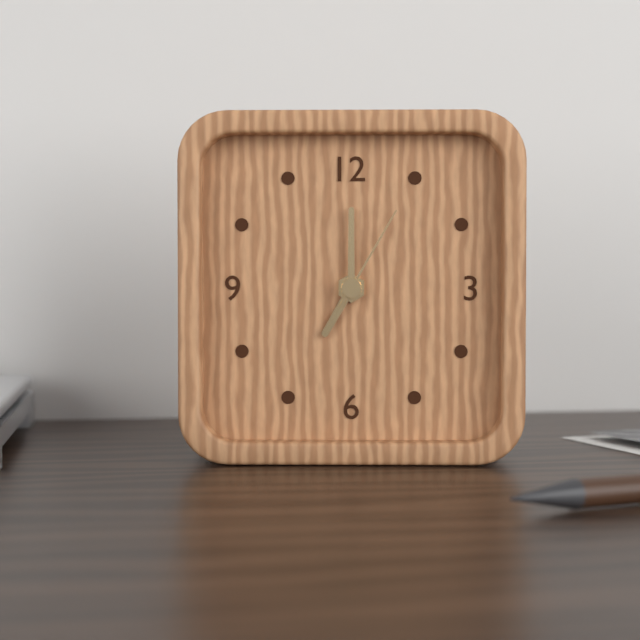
7 h 00 min 05 s
